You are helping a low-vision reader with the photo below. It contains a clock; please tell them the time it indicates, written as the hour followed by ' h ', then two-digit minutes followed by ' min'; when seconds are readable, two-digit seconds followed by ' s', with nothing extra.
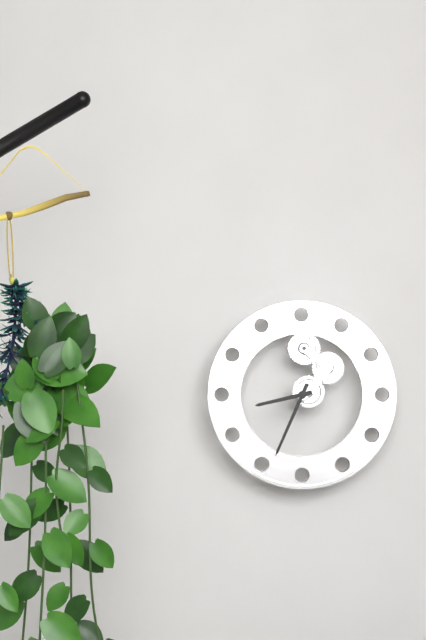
8 h 34 min
